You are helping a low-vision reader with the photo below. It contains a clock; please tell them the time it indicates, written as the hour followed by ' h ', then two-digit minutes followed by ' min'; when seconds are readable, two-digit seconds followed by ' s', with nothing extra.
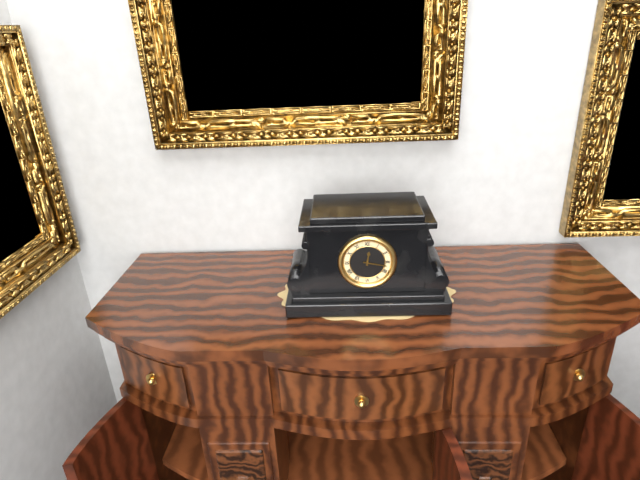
12 h 17 min
